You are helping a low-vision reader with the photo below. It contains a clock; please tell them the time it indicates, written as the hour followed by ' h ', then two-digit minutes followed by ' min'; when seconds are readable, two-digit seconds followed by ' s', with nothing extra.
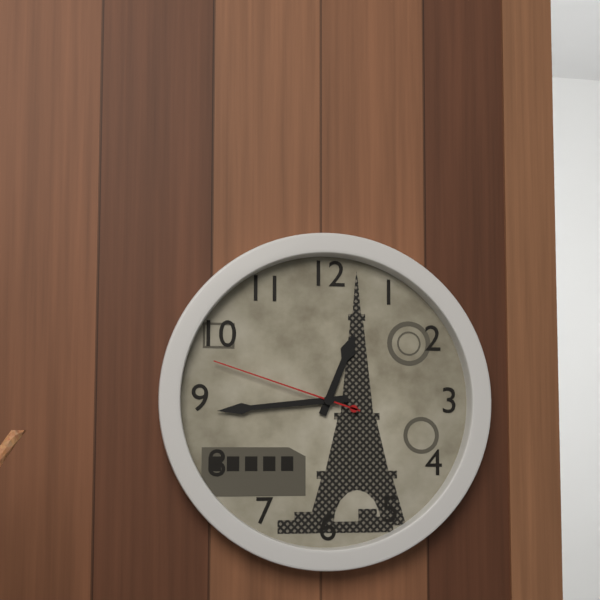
12 h 44 min 48 s
